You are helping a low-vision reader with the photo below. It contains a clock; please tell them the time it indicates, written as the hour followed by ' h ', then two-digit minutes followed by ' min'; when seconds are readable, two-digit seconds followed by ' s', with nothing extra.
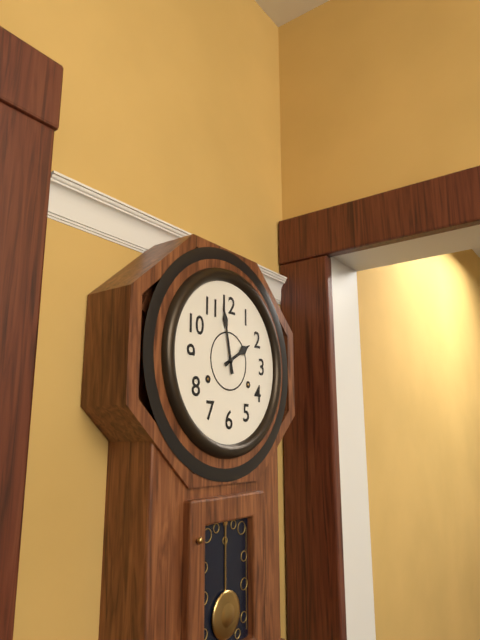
1 h 58 min
